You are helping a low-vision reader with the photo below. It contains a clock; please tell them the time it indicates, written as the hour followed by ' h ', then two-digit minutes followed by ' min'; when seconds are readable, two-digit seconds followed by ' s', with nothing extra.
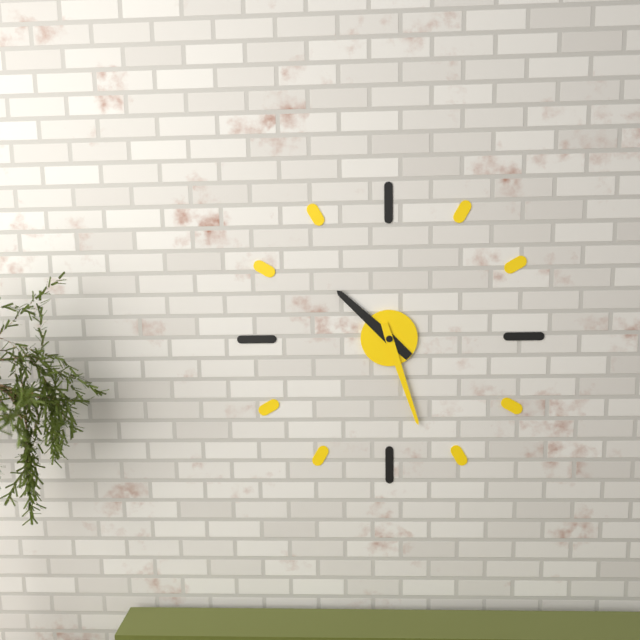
10 h 27 min
